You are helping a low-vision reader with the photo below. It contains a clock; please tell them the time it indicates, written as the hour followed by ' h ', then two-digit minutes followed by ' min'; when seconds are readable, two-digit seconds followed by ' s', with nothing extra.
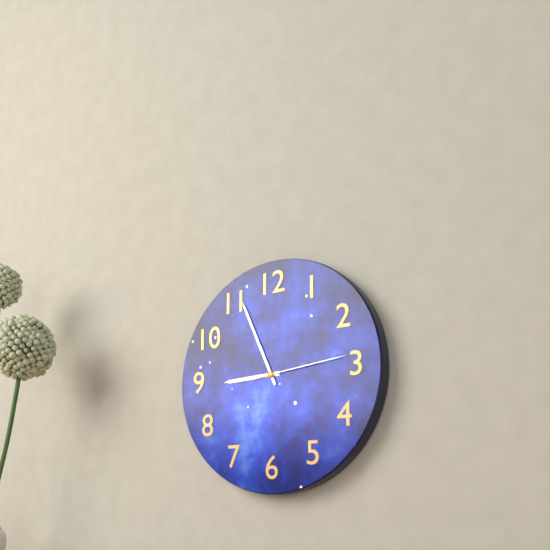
8 h 56 min 14 s
